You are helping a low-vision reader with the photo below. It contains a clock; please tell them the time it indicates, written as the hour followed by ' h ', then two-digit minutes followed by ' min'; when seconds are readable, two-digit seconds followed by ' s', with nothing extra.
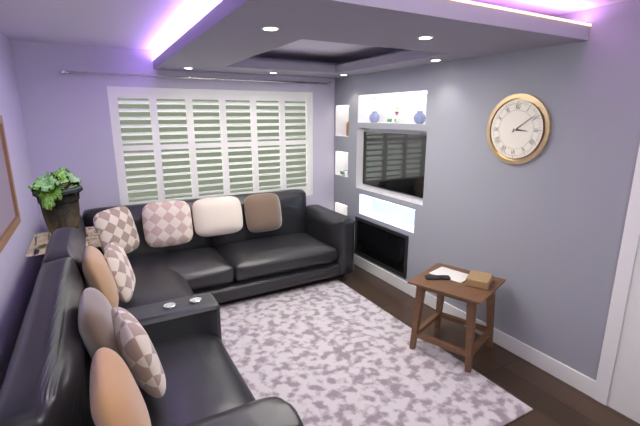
3 h 09 min
